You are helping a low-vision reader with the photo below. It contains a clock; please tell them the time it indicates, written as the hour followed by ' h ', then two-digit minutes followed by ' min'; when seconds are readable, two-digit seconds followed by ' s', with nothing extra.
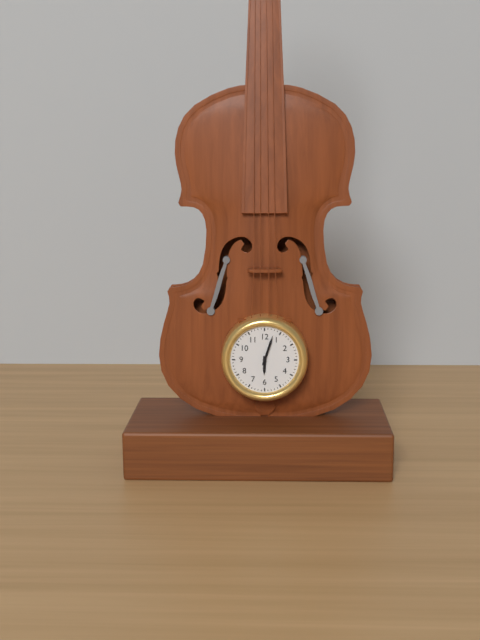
6 h 03 min
